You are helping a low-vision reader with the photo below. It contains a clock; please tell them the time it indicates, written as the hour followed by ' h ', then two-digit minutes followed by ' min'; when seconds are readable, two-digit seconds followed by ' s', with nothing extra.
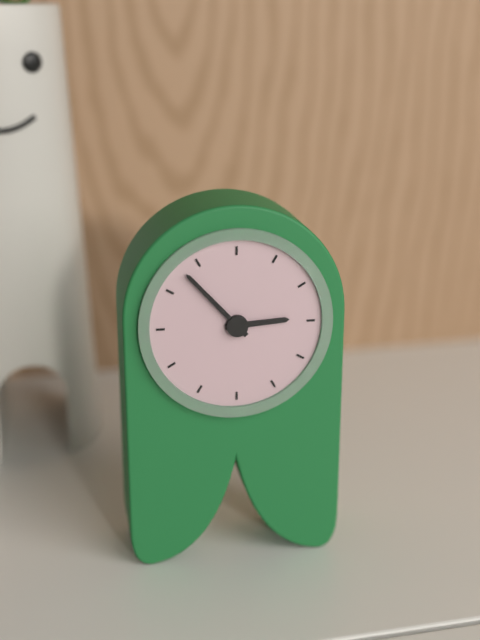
2 h 53 min
